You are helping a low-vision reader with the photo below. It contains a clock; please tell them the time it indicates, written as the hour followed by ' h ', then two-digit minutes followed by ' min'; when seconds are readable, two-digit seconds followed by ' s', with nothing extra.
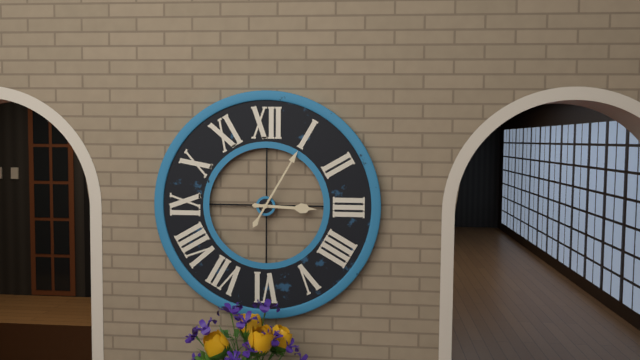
3 h 05 min
